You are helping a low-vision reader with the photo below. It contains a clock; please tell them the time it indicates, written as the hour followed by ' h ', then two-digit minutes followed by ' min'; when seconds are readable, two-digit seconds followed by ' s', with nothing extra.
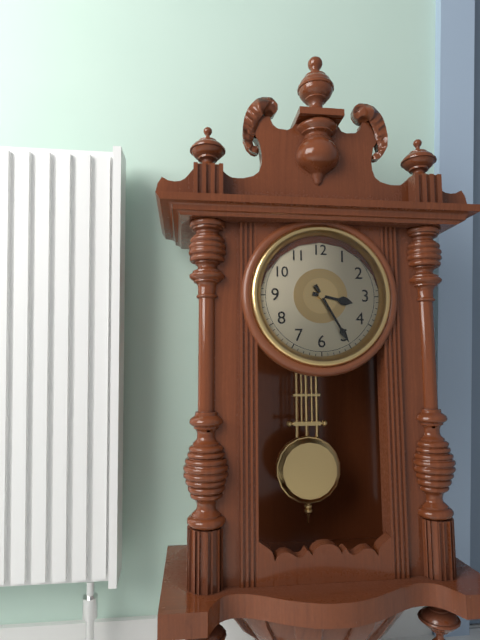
3 h 25 min
